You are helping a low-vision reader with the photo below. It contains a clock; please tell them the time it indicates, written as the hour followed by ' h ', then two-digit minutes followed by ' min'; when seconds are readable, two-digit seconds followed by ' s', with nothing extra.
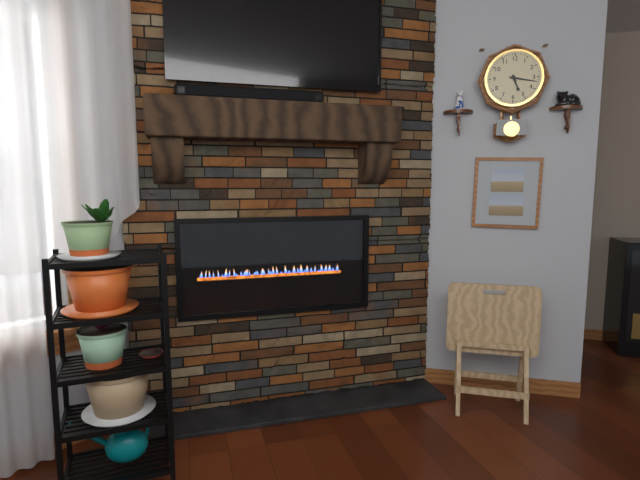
5 h 17 min
